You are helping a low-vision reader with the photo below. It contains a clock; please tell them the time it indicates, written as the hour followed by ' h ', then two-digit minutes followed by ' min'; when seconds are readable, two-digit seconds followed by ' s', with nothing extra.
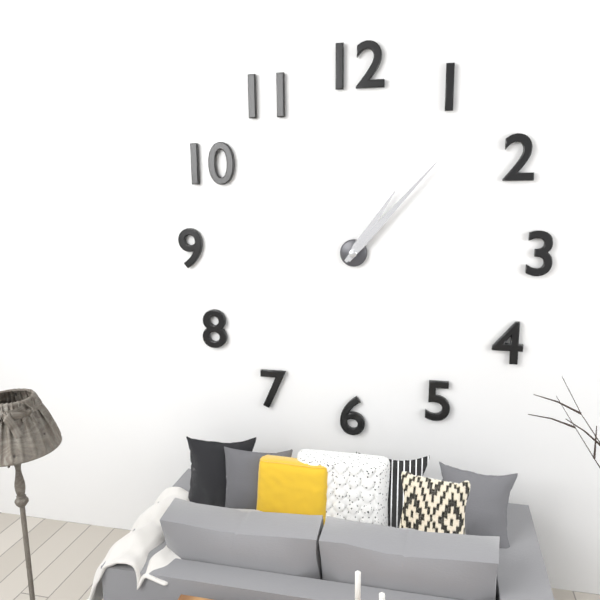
1 h 07 min
